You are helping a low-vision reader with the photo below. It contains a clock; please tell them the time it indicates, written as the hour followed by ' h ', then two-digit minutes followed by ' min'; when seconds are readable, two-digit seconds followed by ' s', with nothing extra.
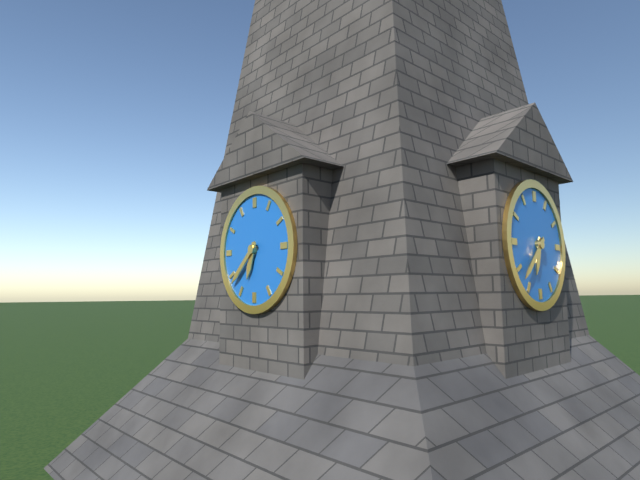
6 h 38 min
